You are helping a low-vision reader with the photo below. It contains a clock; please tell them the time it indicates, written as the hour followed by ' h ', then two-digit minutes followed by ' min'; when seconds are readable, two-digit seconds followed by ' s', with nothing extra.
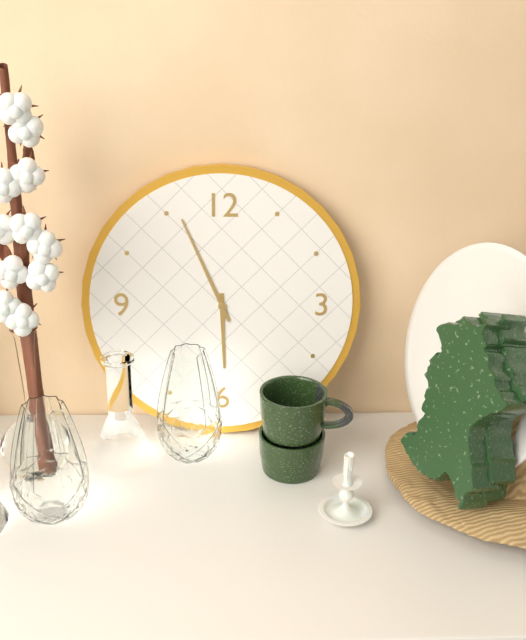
5 h 56 min
